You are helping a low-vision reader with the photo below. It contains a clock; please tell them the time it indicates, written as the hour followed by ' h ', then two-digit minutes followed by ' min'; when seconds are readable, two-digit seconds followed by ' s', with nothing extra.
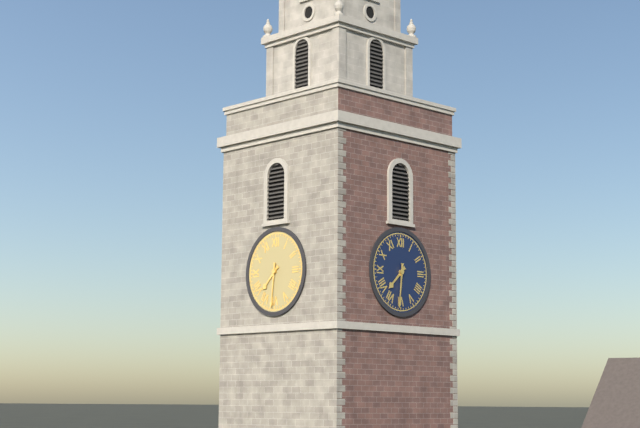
7 h 31 min
